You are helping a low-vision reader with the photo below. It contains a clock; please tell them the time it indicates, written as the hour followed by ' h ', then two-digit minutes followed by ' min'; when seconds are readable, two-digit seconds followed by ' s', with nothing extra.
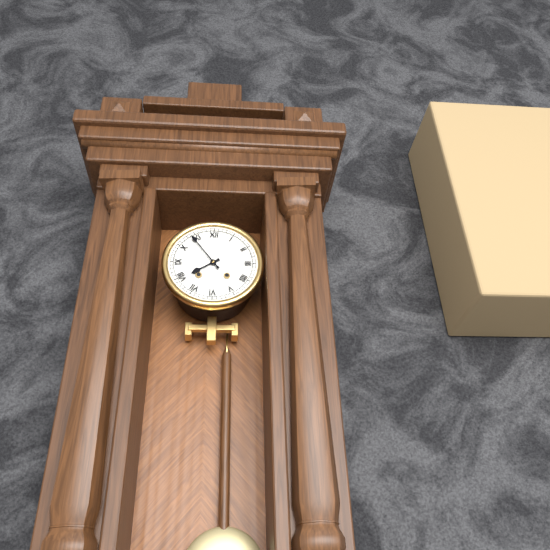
7 h 54 min
